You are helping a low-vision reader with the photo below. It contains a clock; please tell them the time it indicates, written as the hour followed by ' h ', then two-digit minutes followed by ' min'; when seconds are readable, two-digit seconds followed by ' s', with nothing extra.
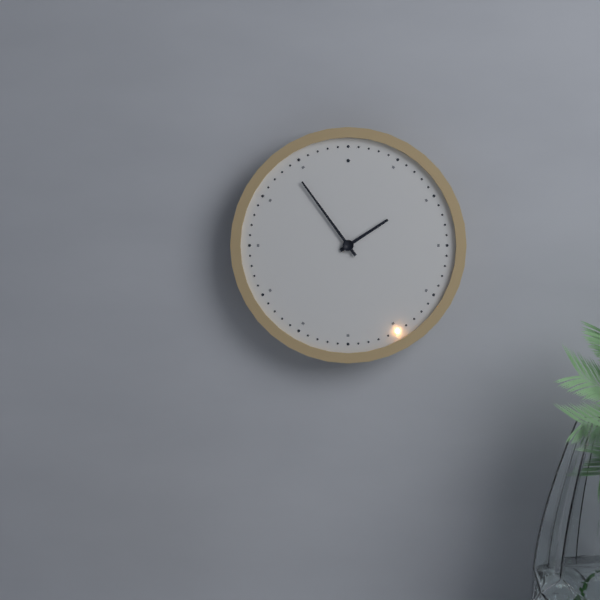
1 h 54 min
